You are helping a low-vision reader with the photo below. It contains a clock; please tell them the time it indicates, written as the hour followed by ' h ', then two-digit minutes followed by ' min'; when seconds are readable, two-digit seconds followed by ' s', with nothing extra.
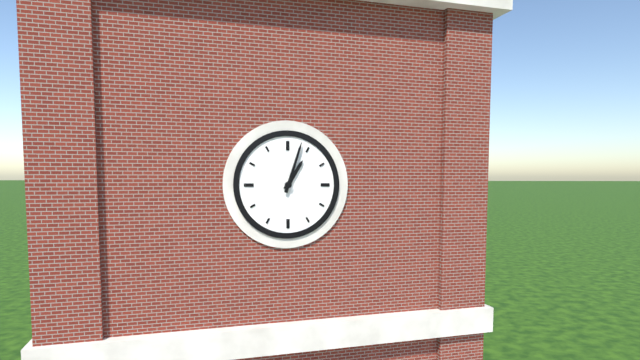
1 h 03 min
